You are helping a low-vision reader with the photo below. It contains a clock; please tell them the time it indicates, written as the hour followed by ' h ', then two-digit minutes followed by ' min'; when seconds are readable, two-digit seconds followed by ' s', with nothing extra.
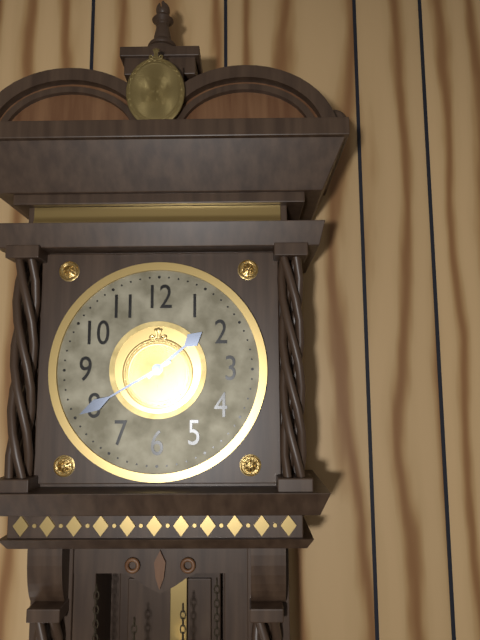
1 h 40 min
